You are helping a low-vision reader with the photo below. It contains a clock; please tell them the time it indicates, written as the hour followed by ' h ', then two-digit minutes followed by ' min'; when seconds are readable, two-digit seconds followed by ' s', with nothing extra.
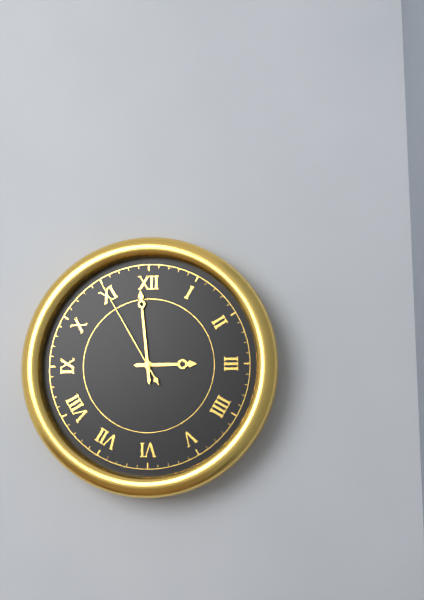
2 h 59 min 55 s
